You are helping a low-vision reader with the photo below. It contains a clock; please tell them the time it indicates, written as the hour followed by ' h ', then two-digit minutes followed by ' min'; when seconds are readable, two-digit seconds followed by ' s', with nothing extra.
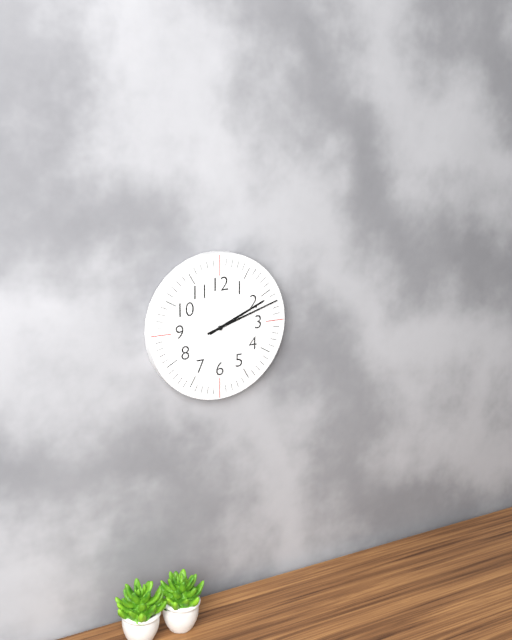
2 h 12 min
